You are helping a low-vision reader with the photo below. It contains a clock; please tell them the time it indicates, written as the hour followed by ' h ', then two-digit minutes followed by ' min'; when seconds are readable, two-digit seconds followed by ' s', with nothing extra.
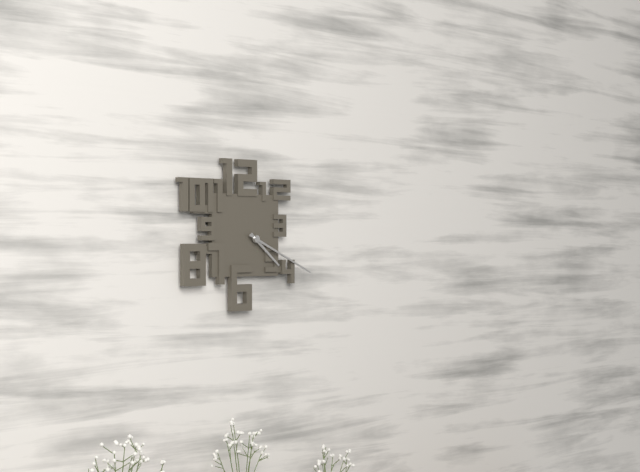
4 h 19 min
